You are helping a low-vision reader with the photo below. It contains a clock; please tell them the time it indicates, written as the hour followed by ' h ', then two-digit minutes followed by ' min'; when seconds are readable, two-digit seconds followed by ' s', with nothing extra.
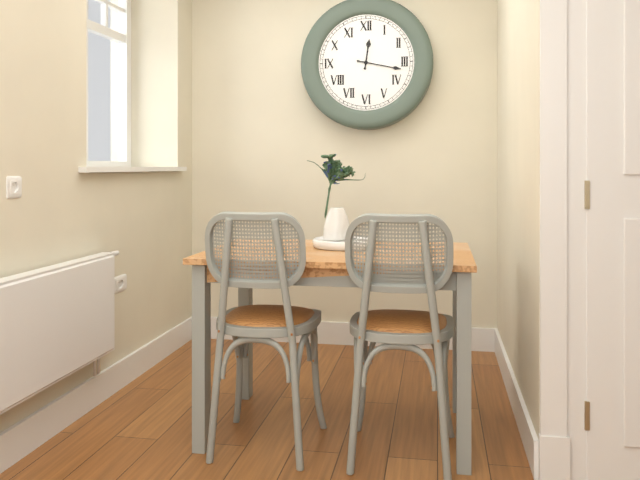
12 h 17 min
